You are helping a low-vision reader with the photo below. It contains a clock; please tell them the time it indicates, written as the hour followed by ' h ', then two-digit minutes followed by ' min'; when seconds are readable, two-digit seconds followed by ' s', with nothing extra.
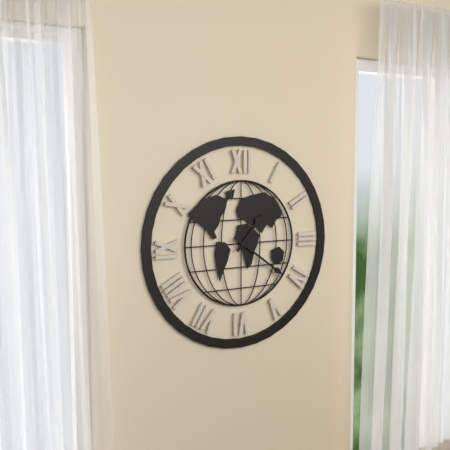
1 h 21 min
